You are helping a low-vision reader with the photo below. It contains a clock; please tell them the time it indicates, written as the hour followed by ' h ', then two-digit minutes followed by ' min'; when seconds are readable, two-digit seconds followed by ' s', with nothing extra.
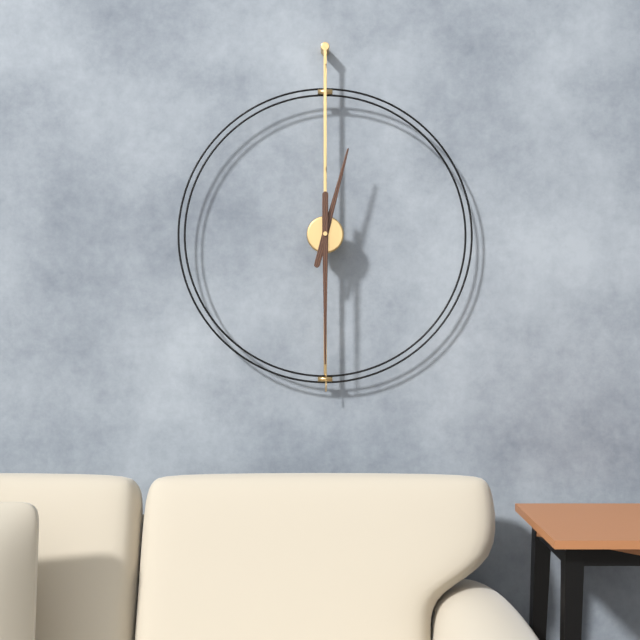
12 h 30 min
